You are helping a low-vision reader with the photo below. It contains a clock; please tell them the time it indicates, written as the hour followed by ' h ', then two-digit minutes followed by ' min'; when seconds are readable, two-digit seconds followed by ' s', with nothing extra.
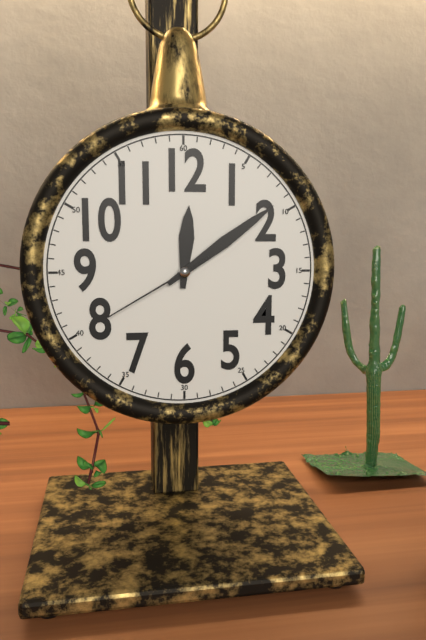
12 h 09 min 40 s
